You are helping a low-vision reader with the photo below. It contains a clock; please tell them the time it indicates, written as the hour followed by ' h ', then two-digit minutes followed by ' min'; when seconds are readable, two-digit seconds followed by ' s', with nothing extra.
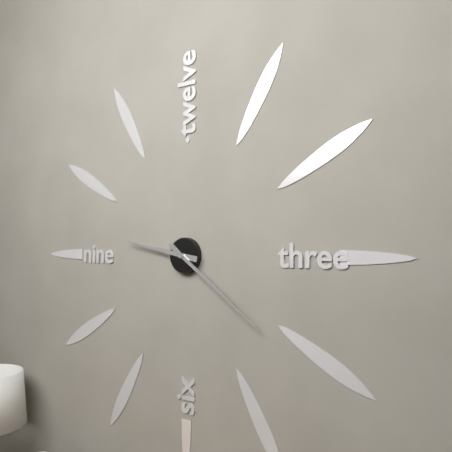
9 h 21 min
